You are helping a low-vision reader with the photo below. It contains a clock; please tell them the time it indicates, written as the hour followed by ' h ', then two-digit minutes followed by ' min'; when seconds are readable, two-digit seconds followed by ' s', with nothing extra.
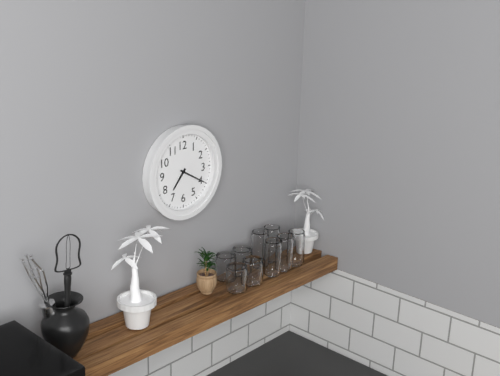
7 h 20 min
